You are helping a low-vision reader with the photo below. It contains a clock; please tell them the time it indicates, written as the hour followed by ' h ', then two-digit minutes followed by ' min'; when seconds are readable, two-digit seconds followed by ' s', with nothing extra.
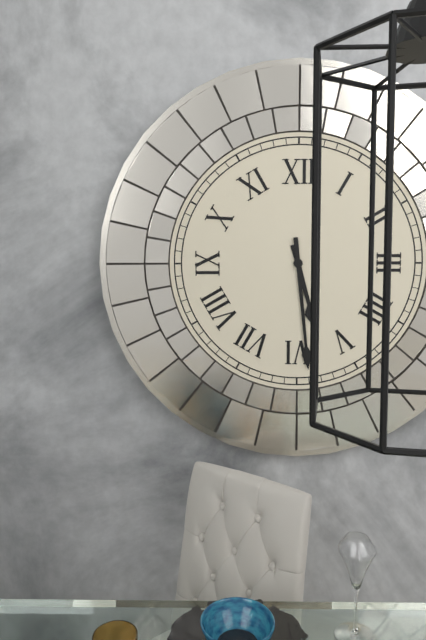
5 h 29 min
